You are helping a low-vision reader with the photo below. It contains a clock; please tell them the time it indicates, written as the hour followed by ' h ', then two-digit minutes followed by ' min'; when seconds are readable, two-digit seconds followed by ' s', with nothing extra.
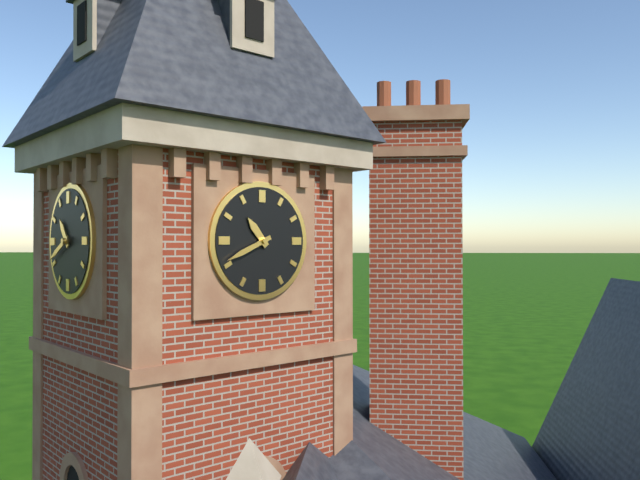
10 h 41 min
